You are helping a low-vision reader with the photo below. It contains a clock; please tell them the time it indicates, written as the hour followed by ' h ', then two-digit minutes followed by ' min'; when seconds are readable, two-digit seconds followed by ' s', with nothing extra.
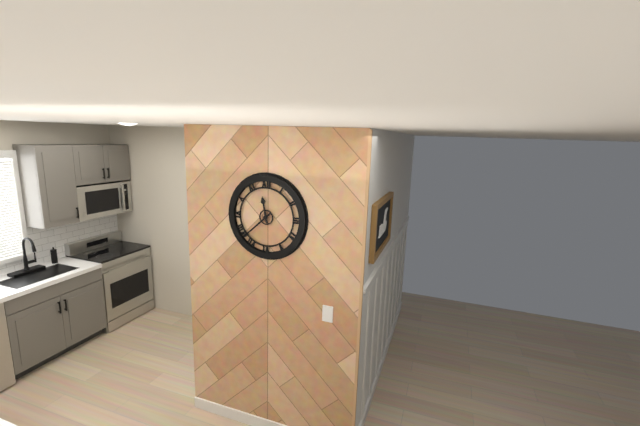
11 h 38 min
